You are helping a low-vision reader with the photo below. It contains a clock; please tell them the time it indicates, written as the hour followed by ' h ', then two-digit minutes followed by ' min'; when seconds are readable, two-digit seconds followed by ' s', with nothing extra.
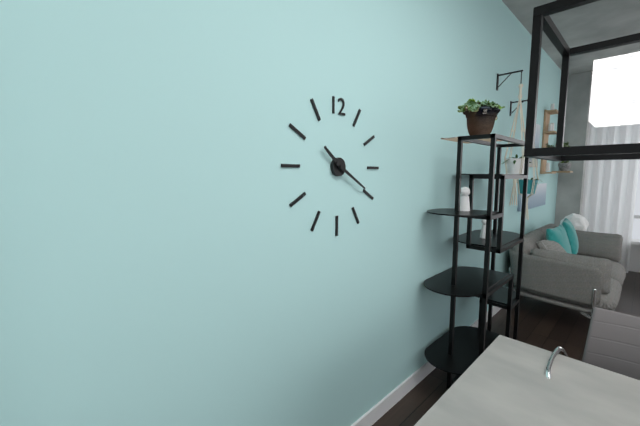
10 h 20 min
